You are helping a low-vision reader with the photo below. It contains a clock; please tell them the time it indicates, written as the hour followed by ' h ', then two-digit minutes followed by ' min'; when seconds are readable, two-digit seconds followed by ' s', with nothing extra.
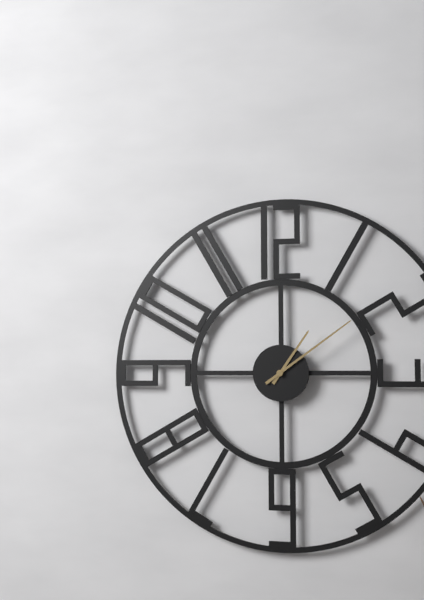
1 h 09 min
